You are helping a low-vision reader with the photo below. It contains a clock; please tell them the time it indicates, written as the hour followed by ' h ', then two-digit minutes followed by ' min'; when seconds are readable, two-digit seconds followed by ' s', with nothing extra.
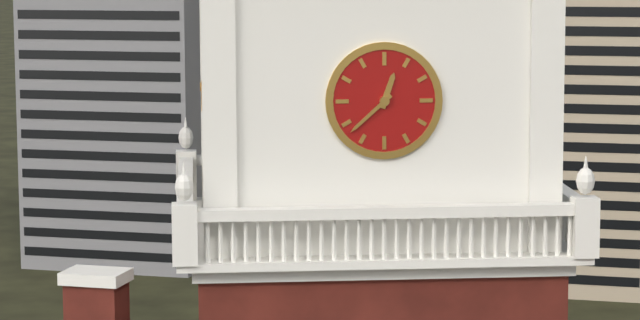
12 h 38 min
